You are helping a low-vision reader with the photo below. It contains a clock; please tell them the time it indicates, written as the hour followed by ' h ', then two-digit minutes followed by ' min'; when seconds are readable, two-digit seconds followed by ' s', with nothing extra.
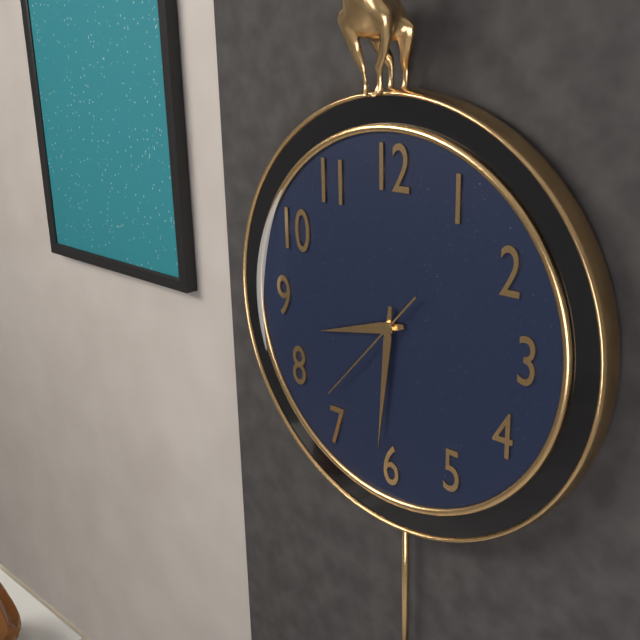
8 h 31 min 37 s
